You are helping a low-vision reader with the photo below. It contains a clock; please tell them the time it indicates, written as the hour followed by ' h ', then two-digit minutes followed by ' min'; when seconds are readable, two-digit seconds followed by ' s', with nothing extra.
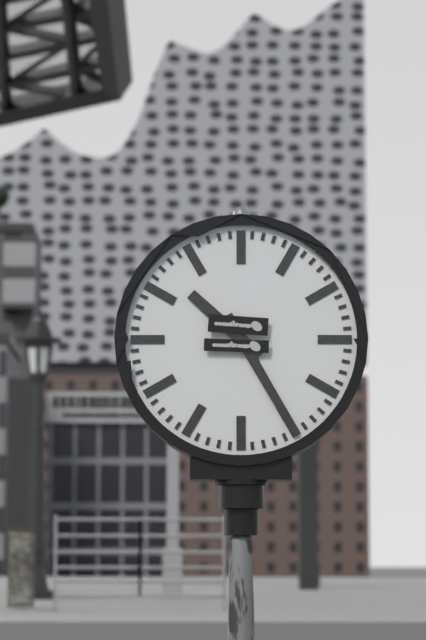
10 h 25 min
